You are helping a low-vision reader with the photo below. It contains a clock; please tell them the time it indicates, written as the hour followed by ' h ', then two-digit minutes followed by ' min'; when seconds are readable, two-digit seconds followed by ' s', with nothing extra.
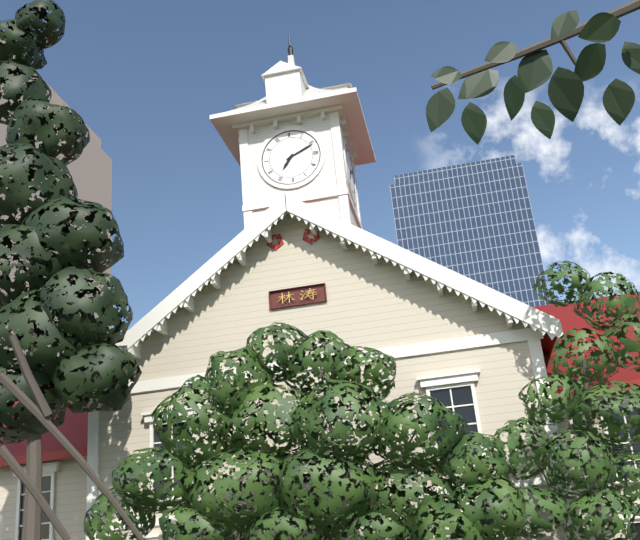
7 h 11 min
